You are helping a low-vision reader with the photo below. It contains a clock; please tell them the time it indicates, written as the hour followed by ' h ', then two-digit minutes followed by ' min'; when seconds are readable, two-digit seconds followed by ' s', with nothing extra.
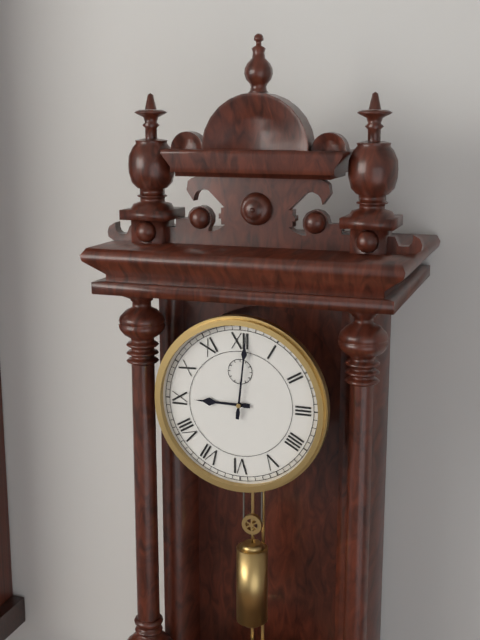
9 h 01 min
